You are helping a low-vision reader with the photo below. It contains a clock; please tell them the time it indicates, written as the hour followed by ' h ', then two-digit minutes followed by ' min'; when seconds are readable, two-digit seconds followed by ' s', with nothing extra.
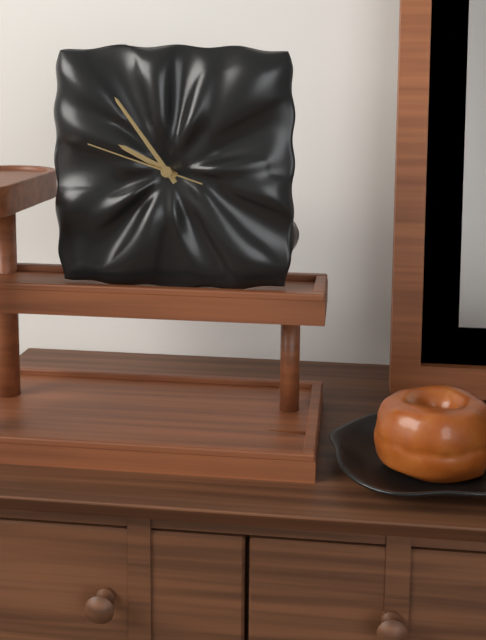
9 h 54 min 48 s
